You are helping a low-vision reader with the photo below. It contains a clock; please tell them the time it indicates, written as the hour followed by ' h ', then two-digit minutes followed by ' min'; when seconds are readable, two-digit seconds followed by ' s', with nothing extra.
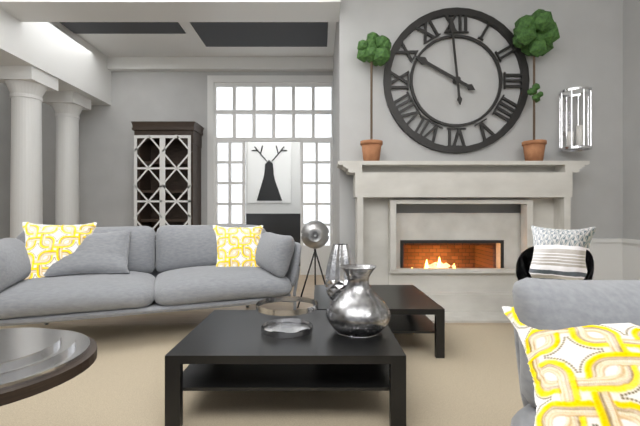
9 h 59 min
